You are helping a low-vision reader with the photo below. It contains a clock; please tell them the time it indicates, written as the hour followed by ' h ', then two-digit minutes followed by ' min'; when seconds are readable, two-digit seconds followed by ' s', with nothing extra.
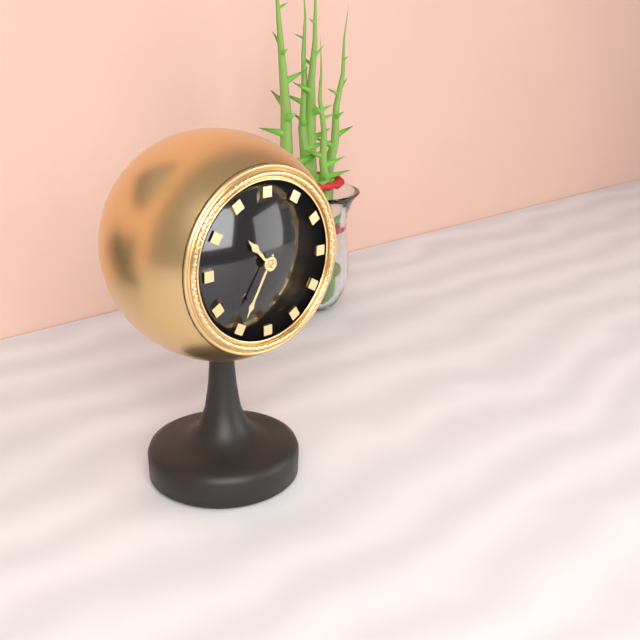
10 h 35 min
